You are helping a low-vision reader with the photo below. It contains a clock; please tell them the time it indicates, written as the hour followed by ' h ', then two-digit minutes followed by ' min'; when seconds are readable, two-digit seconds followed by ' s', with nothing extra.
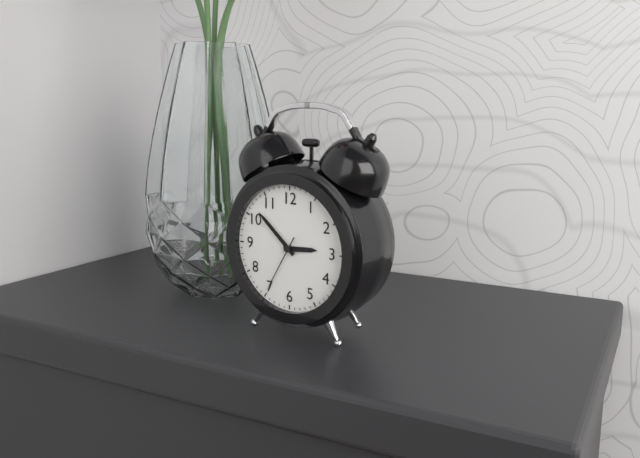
2 h 52 min 35 s
